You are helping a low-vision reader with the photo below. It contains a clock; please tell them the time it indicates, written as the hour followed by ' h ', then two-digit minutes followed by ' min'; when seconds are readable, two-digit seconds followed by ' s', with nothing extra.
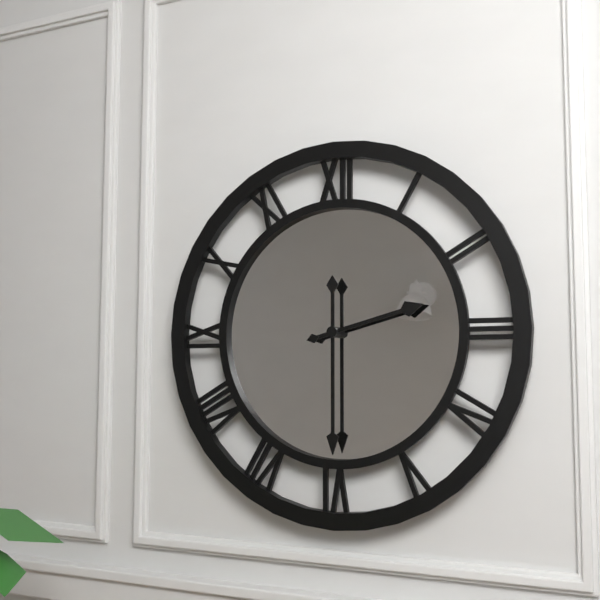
2 h 30 min
